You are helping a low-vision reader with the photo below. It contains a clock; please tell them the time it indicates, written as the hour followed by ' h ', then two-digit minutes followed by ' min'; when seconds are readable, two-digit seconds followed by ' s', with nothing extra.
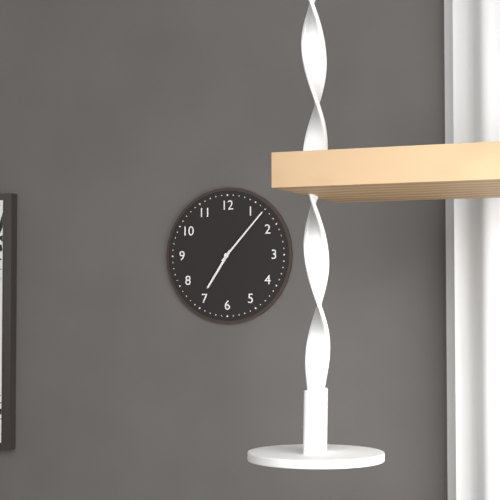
7 h 07 min
